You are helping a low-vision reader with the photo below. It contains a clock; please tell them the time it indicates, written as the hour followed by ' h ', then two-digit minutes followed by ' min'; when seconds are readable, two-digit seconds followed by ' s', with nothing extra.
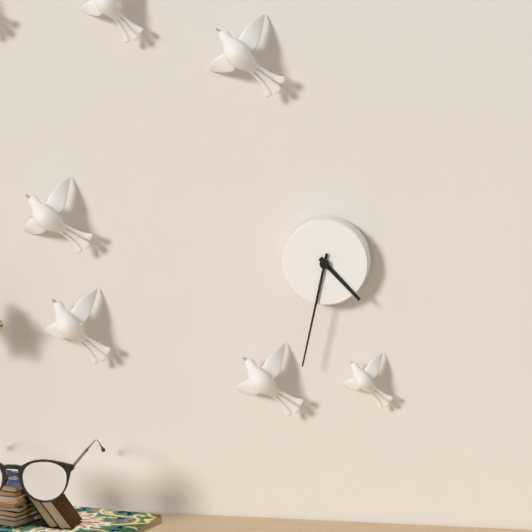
4 h 32 min
